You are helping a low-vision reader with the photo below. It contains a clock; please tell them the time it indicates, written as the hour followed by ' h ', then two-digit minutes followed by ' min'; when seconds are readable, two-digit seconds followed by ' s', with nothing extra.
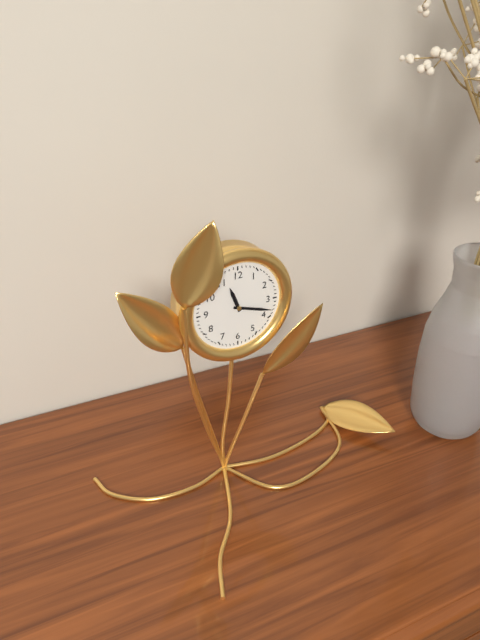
11 h 18 min
